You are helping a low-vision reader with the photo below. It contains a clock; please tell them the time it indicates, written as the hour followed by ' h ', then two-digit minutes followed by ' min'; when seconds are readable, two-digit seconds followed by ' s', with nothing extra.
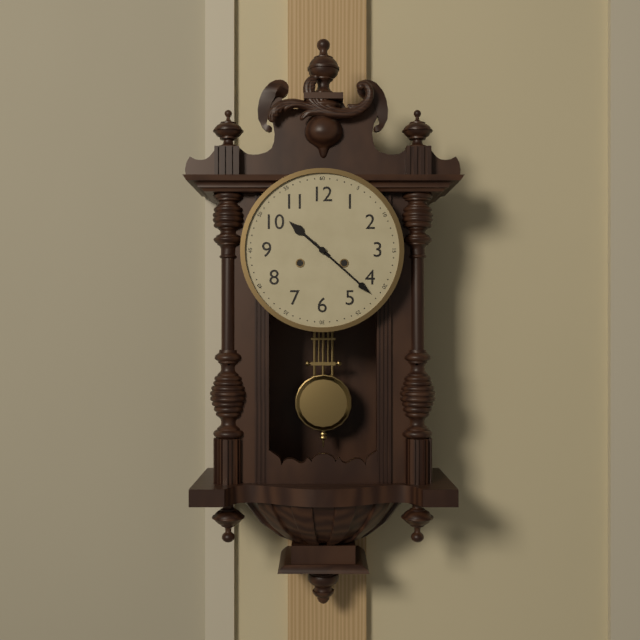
10 h 22 min
